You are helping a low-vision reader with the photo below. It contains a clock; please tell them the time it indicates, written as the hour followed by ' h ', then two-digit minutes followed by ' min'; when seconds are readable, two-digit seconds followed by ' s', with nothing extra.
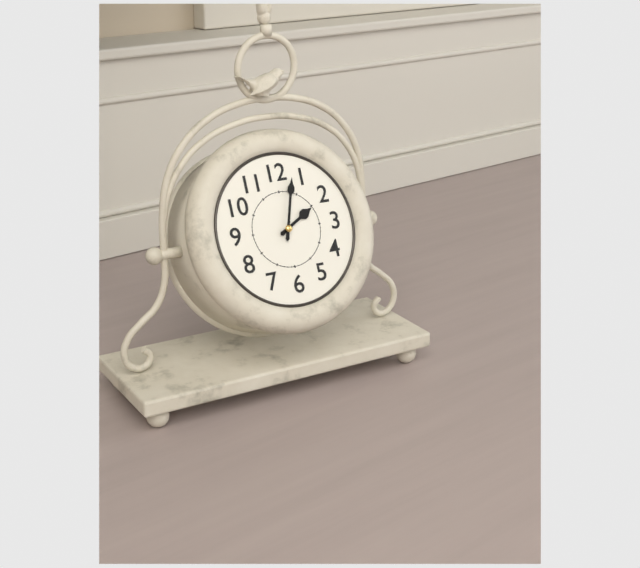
2 h 03 min
